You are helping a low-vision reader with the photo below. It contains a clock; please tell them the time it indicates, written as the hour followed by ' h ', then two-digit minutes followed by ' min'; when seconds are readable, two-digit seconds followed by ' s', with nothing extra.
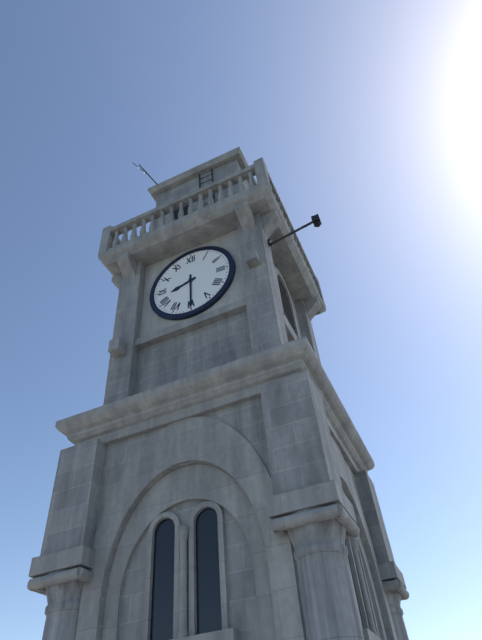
8 h 30 min
